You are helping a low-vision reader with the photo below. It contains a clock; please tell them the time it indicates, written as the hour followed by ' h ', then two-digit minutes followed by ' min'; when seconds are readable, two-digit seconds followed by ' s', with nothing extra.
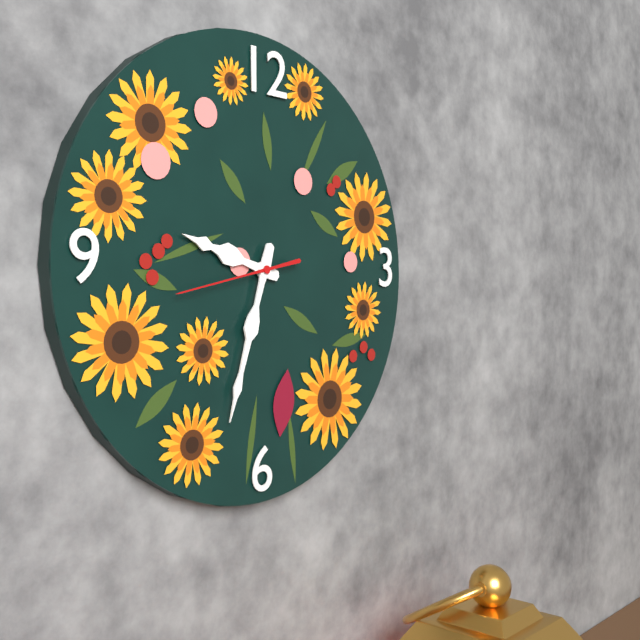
9 h 33 min 43 s
